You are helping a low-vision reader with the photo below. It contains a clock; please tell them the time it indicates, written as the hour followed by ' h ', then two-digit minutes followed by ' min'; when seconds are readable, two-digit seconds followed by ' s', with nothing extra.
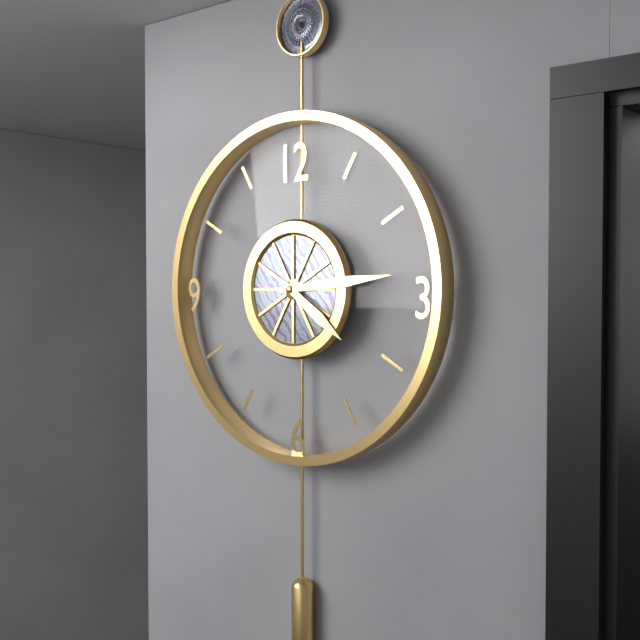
4 h 14 min
